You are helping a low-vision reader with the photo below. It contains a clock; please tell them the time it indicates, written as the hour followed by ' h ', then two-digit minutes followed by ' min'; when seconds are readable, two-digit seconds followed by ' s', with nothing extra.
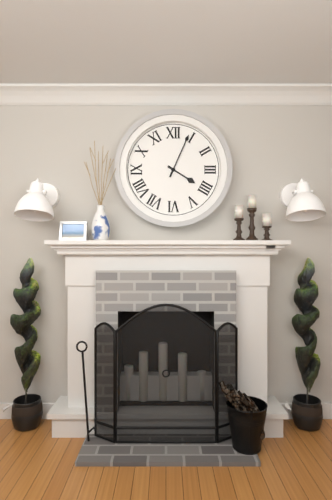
4 h 04 min
